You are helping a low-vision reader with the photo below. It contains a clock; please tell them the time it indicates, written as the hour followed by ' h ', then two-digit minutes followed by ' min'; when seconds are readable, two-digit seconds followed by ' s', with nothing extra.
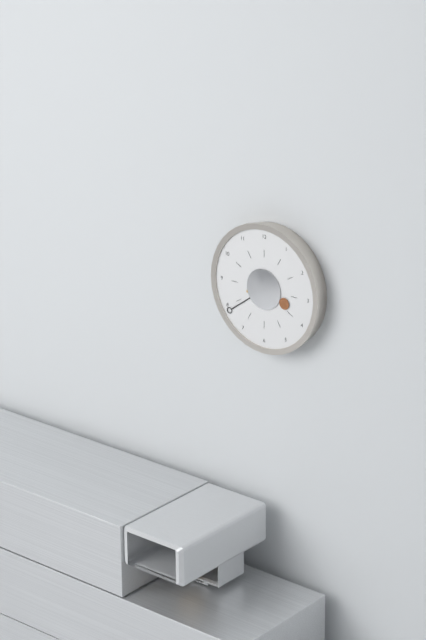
3 h 39 min
